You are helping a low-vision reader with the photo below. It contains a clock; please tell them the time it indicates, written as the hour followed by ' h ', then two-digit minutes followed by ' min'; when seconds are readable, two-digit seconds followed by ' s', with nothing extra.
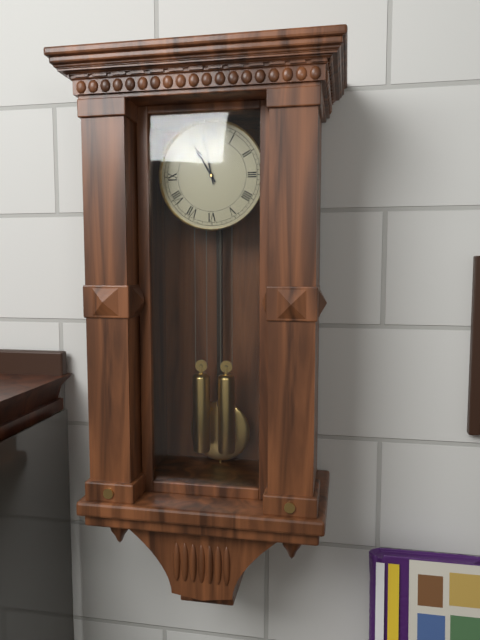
10 h 58 min
